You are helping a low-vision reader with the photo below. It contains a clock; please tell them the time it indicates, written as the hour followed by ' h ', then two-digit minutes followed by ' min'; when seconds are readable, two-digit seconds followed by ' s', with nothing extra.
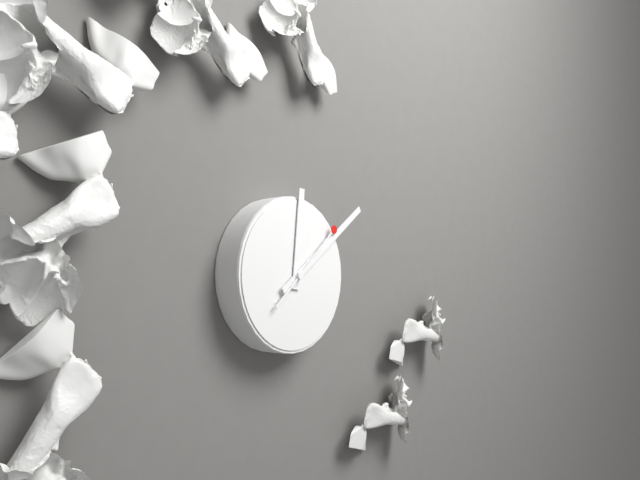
12 h 09 min 08 s
